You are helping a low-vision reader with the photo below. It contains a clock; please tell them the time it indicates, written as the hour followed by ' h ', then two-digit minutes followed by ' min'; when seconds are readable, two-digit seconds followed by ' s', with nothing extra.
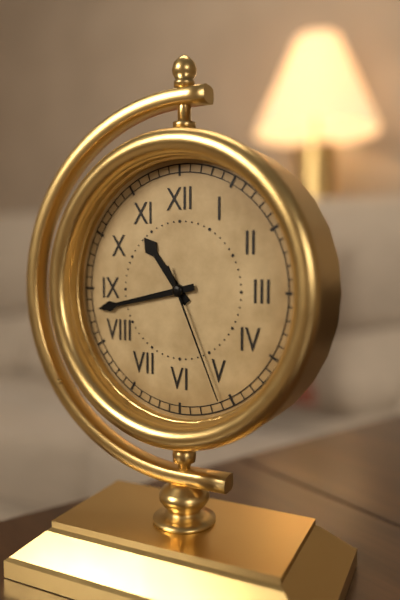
10 h 43 min 26 s
